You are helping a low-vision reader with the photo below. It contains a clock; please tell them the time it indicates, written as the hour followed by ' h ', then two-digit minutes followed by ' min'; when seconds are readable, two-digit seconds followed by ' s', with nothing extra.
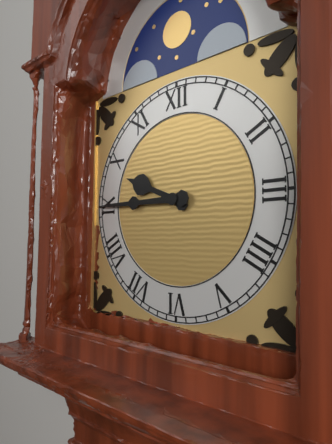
9 h 45 min
